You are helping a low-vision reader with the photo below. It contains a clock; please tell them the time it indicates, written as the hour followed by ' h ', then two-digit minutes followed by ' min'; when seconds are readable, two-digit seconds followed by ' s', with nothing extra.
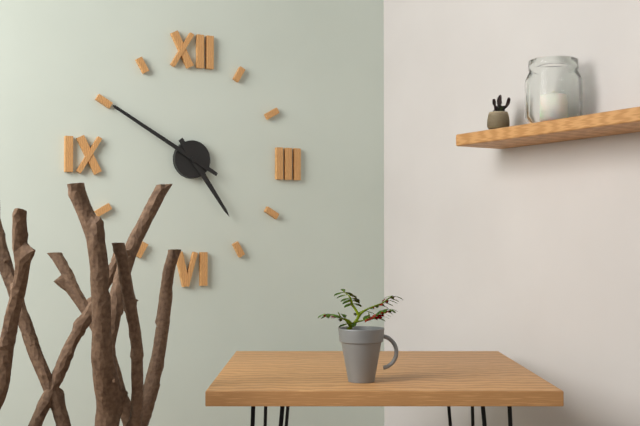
4 h 50 min
